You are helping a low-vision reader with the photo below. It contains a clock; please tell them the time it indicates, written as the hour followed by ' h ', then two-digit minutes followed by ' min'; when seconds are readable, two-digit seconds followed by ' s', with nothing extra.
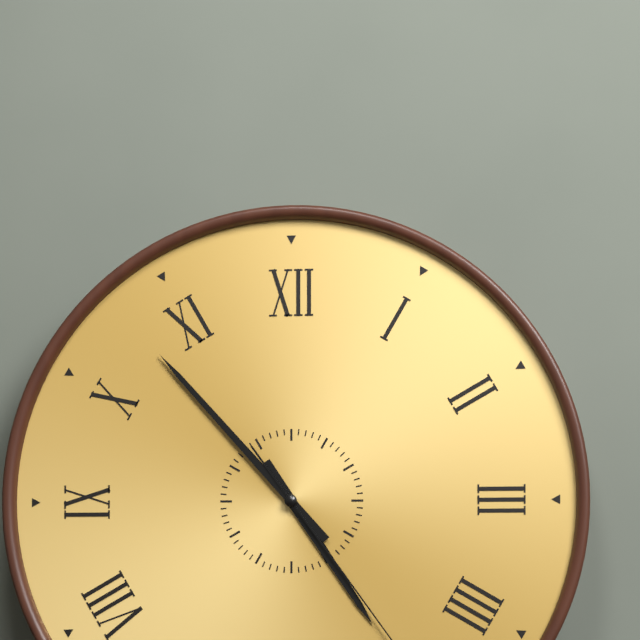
4 h 53 min
